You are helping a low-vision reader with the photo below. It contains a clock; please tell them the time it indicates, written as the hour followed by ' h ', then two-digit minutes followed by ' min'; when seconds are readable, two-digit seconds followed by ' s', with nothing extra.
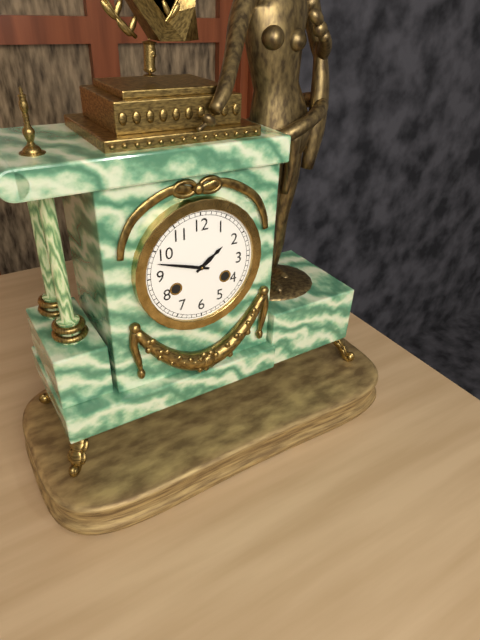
1 h 48 min
